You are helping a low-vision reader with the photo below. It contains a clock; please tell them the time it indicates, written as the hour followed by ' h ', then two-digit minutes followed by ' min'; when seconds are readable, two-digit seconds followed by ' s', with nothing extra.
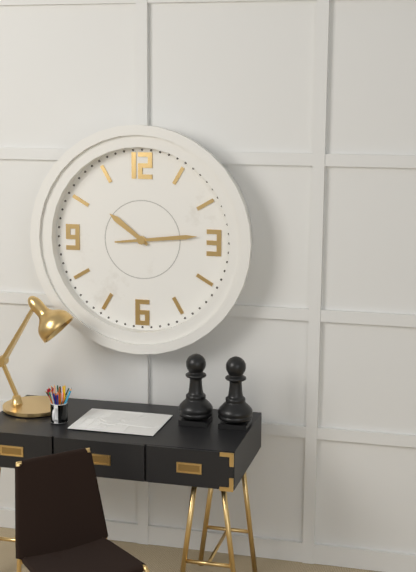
10 h 14 min
